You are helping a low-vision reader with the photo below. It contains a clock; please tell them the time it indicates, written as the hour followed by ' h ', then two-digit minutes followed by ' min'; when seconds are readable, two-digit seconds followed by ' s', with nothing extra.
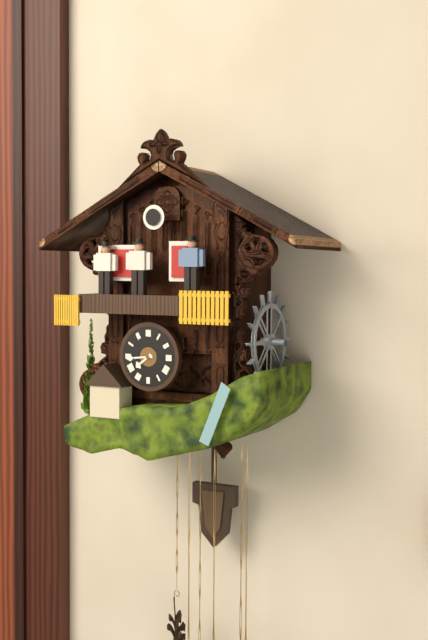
7 h 44 min
